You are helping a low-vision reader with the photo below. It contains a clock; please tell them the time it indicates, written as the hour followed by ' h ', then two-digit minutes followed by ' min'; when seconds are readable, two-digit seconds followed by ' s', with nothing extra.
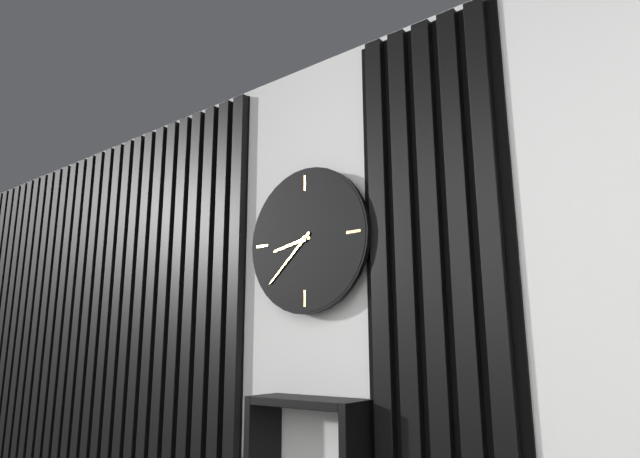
8 h 38 min
